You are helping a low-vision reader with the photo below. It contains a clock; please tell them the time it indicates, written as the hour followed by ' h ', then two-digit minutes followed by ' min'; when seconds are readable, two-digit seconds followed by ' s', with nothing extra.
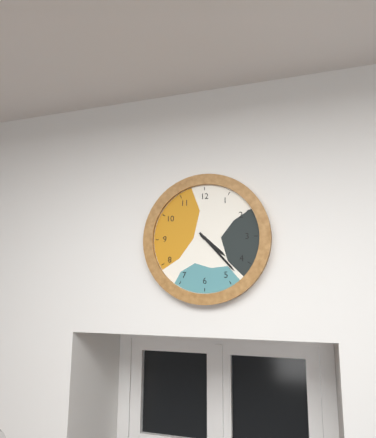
4 h 23 min
